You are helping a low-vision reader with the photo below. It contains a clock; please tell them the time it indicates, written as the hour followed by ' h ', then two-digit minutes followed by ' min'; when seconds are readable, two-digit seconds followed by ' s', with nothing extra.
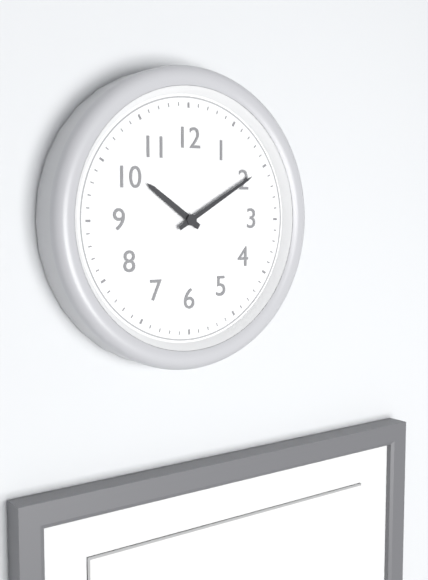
10 h 10 min
